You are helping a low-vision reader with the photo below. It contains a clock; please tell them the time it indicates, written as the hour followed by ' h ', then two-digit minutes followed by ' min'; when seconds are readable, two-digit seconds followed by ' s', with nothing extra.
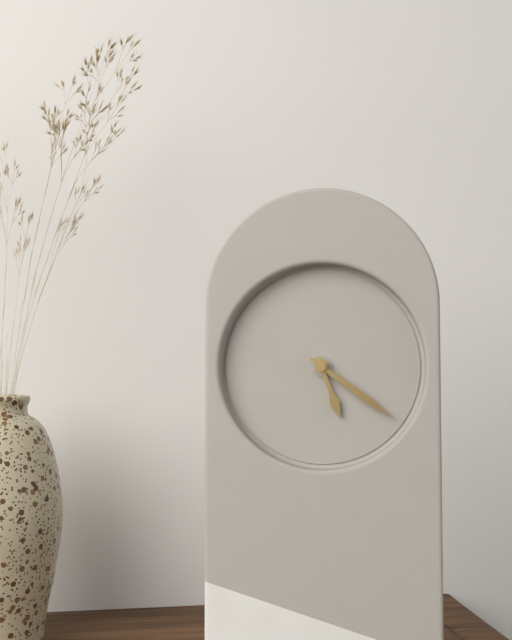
5 h 21 min
